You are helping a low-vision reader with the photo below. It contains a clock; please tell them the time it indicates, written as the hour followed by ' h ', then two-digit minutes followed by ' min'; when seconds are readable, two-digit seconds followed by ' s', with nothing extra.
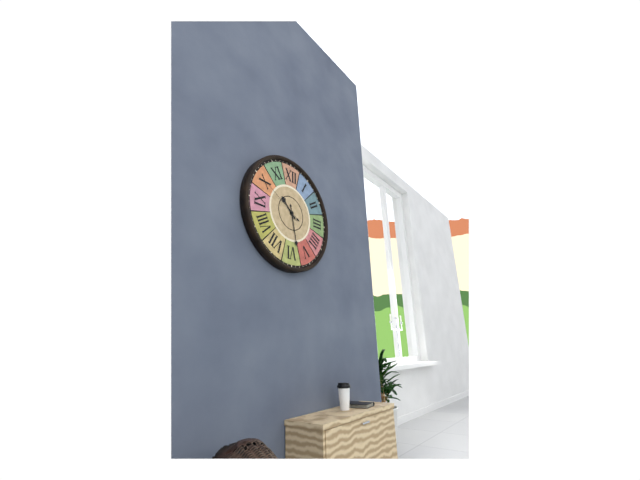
10 h 28 min
